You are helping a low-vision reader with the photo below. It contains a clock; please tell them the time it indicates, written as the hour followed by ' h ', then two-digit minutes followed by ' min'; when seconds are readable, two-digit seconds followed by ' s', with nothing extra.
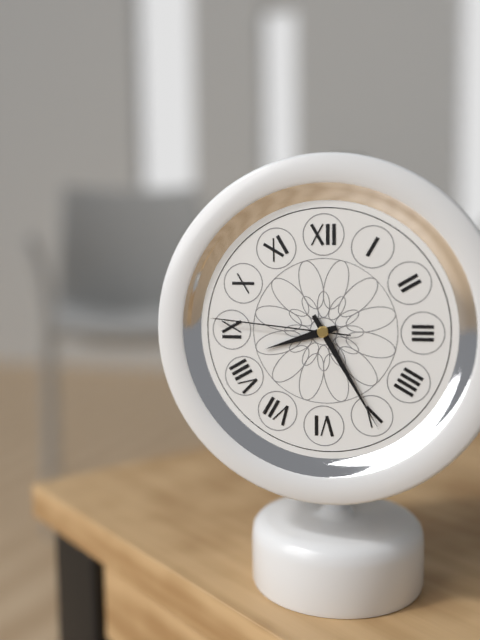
8 h 25 min 46 s
